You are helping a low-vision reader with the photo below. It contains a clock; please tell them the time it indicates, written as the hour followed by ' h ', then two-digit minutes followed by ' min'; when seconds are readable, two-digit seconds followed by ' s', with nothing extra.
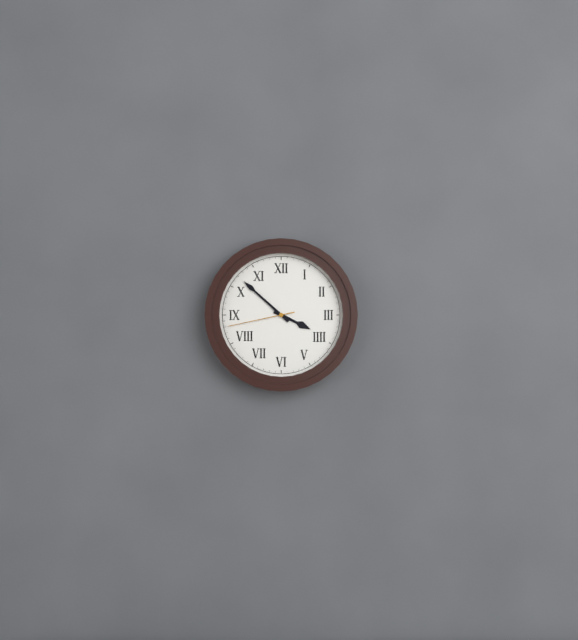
3 h 52 min 43 s
